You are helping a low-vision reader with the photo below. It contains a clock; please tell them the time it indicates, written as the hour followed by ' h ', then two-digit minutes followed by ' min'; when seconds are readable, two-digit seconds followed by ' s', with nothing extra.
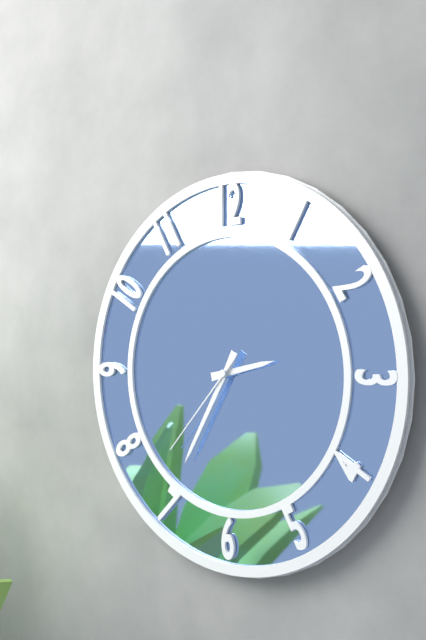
2 h 35 min 37 s
